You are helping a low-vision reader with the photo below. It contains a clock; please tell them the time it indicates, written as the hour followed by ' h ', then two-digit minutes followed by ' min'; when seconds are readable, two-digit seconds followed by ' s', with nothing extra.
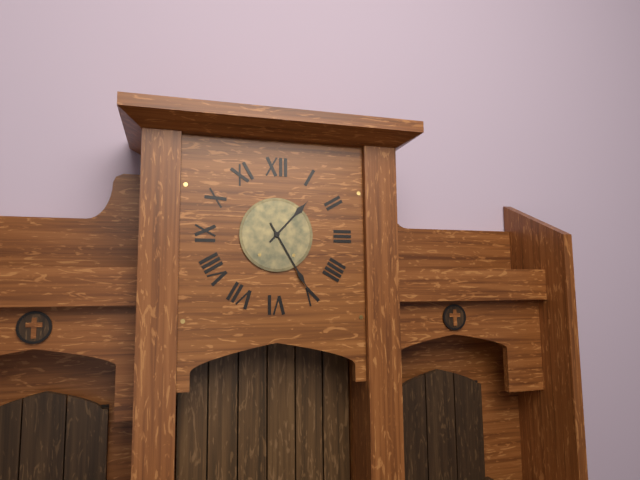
1 h 25 min
